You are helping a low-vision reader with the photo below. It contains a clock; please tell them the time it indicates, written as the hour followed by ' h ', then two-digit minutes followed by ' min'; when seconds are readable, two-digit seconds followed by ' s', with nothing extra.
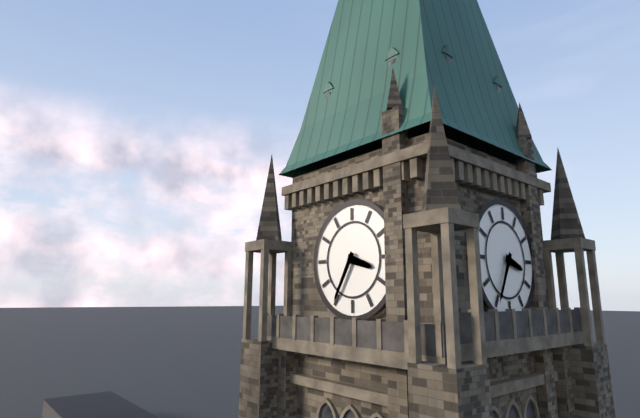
3 h 35 min
